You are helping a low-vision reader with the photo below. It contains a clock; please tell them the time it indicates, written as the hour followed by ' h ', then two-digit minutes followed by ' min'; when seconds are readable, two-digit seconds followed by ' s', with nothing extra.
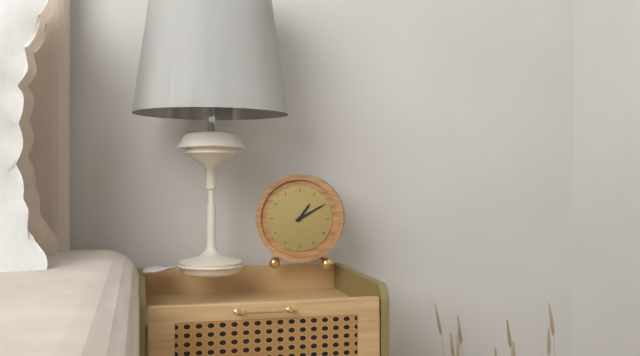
1 h 10 min
